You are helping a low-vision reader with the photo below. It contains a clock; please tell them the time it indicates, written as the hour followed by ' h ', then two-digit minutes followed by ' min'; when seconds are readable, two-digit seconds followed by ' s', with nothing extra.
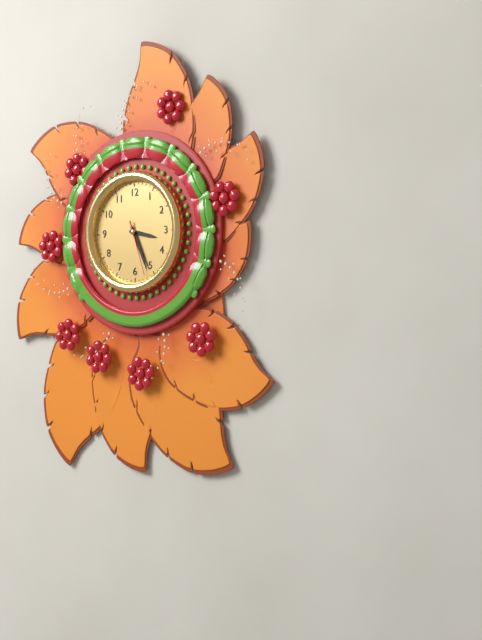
3 h 26 min 27 s
